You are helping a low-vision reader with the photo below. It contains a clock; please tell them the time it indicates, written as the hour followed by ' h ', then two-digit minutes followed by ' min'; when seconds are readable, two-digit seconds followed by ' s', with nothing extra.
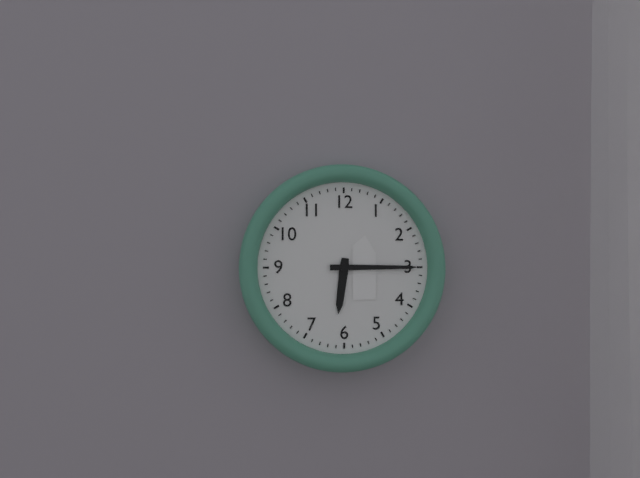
6 h 15 min
